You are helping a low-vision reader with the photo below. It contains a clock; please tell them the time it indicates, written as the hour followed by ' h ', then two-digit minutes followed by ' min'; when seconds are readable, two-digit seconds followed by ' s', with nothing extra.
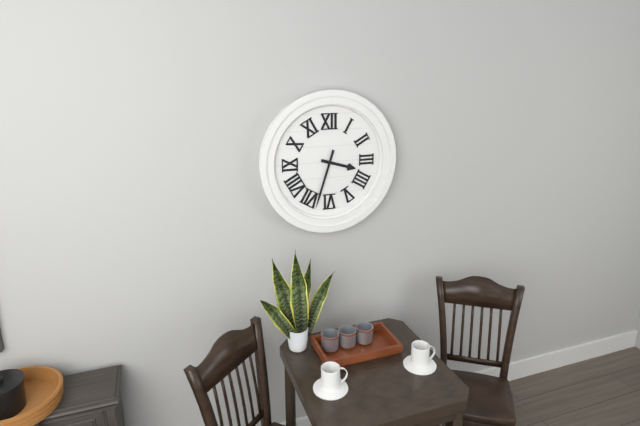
3 h 33 min
